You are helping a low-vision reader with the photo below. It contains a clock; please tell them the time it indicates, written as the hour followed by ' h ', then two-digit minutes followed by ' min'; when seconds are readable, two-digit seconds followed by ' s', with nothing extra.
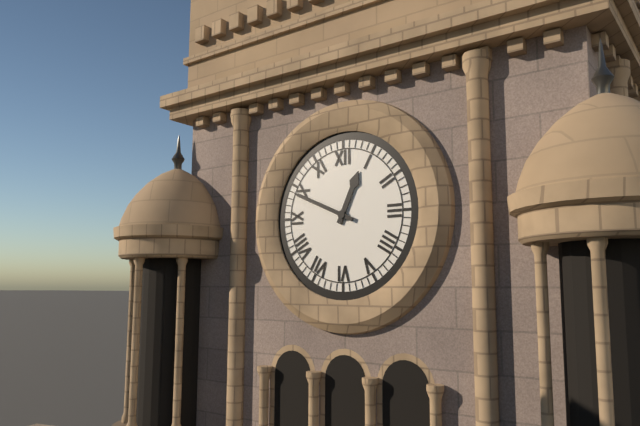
12 h 49 min
